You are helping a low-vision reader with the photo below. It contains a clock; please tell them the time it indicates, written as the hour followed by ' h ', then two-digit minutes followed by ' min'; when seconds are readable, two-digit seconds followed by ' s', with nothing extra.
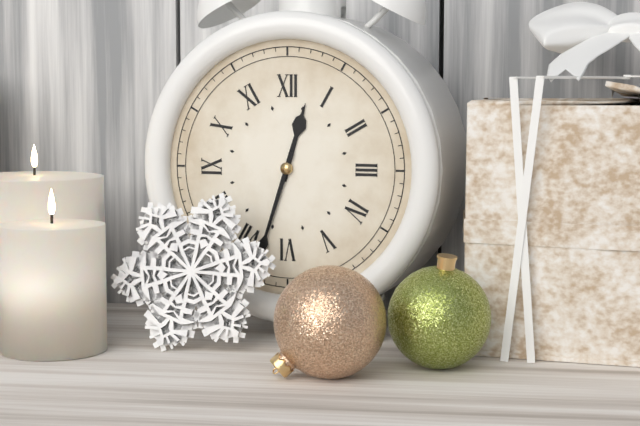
12 h 33 min
